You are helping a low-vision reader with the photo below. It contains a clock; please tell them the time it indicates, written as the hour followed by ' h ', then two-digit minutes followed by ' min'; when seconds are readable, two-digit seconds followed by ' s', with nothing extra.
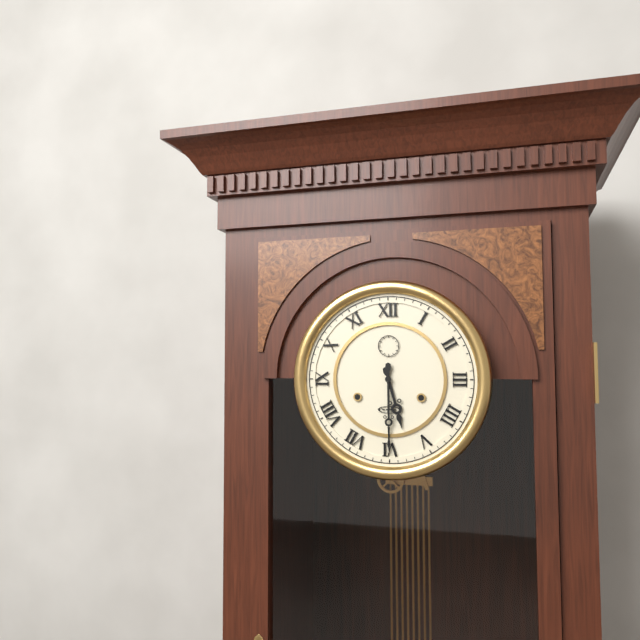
5 h 30 min
